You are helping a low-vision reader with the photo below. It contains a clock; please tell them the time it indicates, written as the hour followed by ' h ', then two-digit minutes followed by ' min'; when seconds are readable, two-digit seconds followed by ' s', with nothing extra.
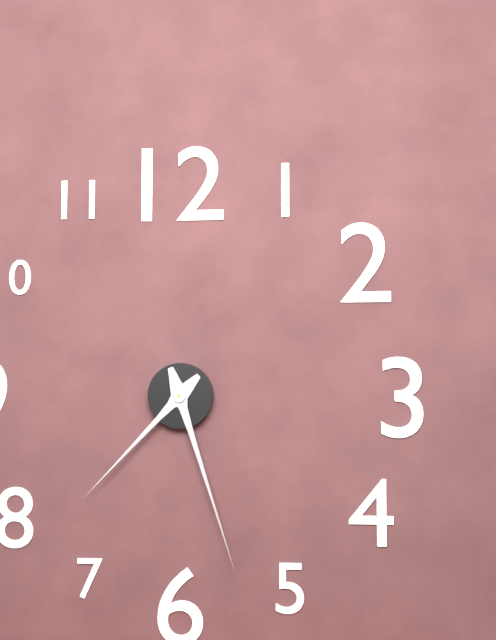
7 h 27 min
